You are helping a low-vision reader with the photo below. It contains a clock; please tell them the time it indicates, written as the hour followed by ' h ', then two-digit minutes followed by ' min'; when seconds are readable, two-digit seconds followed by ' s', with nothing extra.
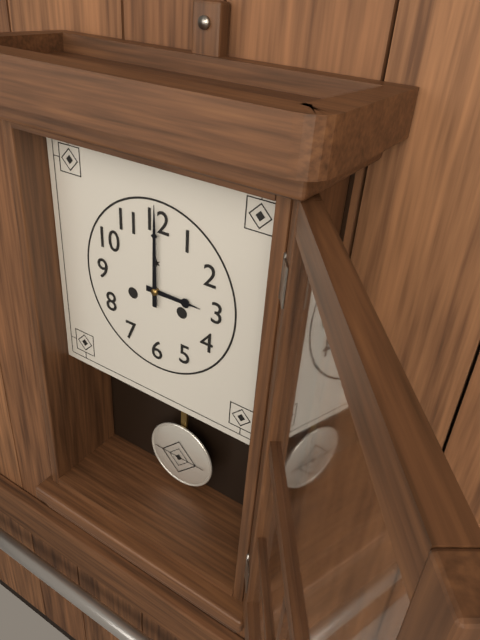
3 h 00 min
